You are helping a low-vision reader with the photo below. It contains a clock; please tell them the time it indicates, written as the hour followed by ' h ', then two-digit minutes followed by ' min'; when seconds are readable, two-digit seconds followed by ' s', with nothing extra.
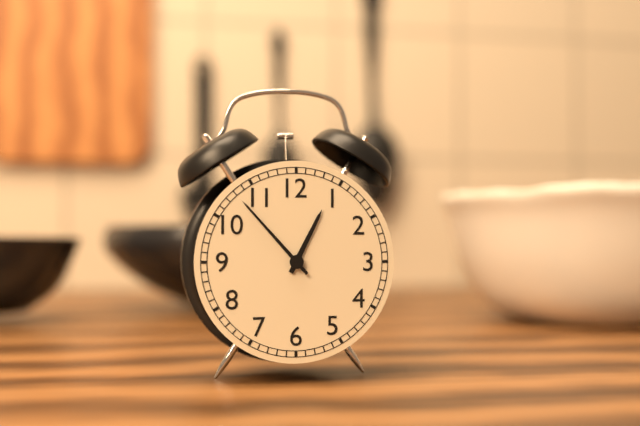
12 h 53 min
